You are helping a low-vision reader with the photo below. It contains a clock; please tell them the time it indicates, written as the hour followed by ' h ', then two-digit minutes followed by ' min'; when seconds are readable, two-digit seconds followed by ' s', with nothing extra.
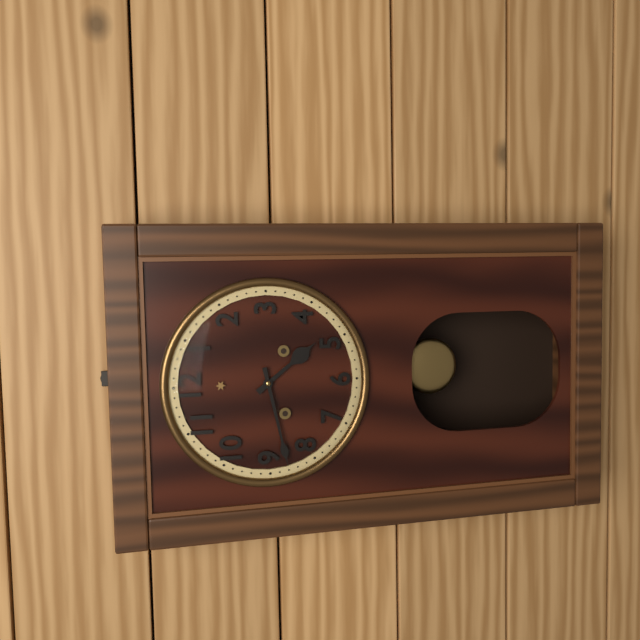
4 h 43 min
